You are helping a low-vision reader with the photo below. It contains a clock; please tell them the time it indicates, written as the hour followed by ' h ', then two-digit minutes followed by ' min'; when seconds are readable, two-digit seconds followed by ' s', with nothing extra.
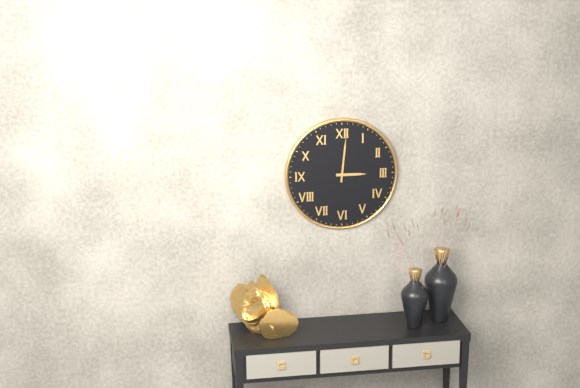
3 h 01 min
